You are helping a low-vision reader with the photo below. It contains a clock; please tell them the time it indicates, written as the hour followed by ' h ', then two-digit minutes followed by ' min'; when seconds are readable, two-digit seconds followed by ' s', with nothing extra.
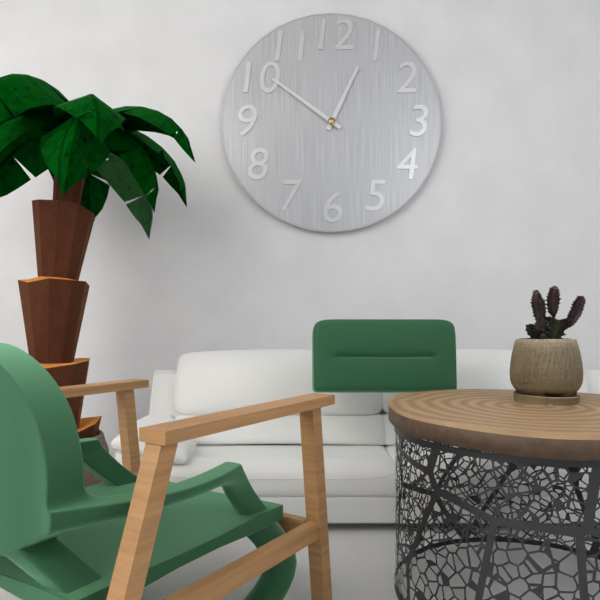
12 h 51 min
